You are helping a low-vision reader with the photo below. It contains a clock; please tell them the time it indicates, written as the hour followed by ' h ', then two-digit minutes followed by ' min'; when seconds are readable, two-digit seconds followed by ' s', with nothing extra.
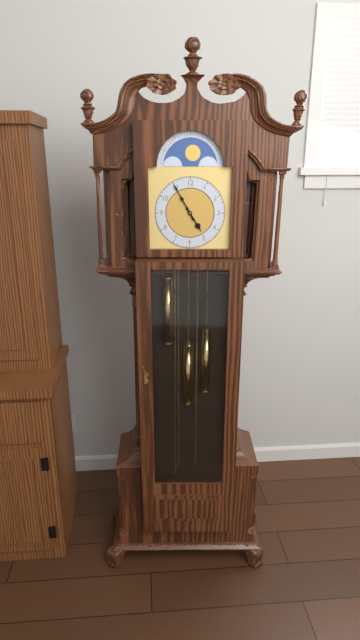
4 h 55 min
